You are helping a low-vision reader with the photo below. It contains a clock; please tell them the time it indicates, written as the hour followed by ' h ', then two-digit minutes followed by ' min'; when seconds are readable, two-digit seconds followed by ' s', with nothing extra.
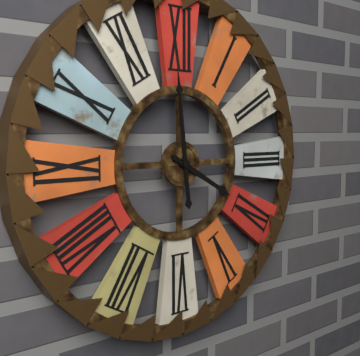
3 h 59 min
